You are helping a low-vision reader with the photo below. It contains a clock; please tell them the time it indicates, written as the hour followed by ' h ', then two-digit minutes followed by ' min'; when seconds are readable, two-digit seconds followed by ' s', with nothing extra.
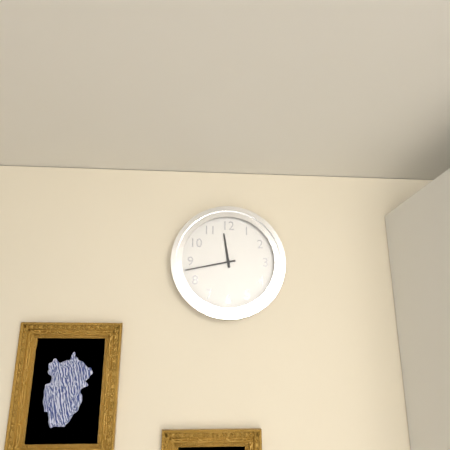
11 h 43 min
